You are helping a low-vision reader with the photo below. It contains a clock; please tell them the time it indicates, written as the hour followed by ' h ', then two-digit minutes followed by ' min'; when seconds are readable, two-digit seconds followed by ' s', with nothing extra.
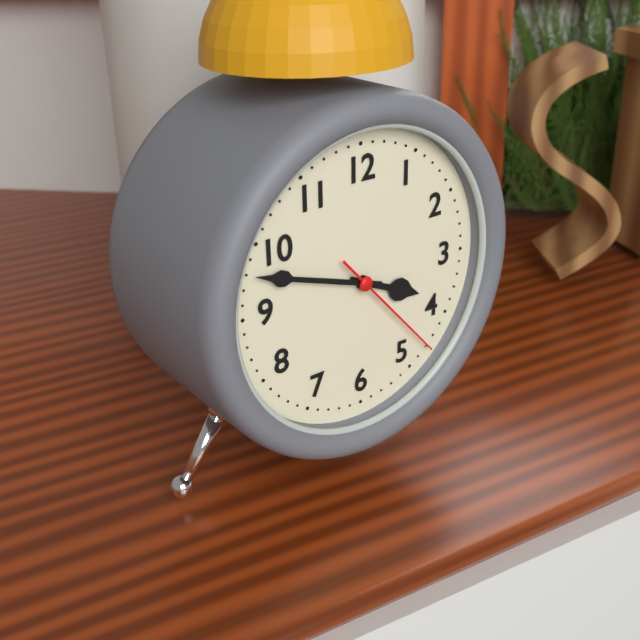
3 h 48 min 23 s
